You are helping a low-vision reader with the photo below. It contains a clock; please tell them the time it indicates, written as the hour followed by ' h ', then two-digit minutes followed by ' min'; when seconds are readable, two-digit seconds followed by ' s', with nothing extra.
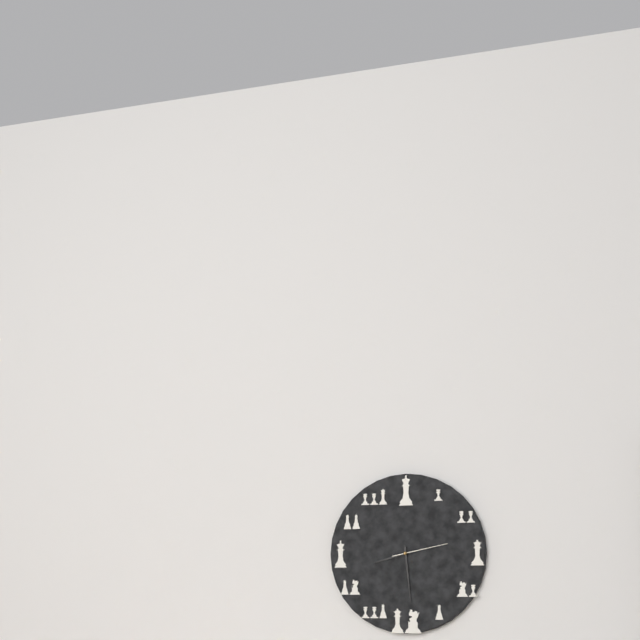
8 h 29 min 13 s
